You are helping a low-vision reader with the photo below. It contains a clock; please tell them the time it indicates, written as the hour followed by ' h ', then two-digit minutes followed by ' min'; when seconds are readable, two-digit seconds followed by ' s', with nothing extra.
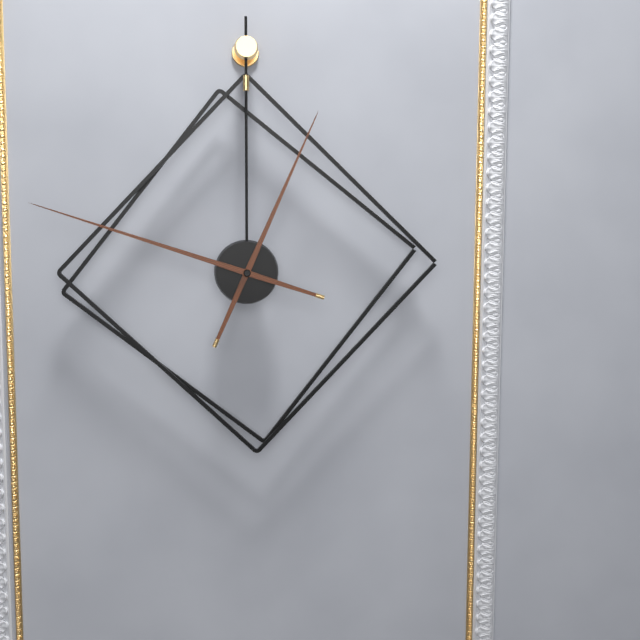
12 h 48 min
